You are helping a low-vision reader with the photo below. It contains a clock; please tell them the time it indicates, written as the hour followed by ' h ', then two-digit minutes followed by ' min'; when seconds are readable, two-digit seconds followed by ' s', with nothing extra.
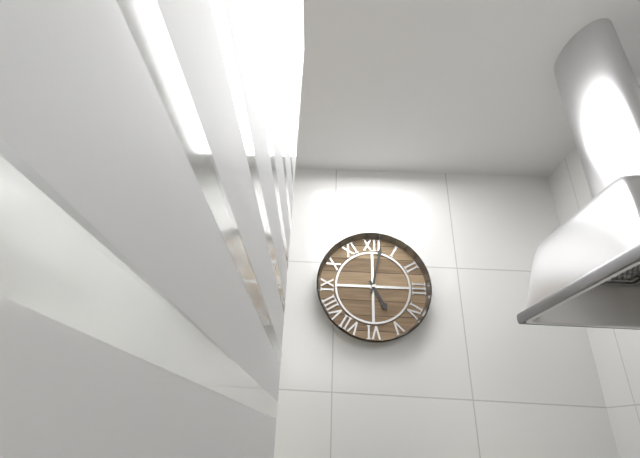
5 h 02 min
